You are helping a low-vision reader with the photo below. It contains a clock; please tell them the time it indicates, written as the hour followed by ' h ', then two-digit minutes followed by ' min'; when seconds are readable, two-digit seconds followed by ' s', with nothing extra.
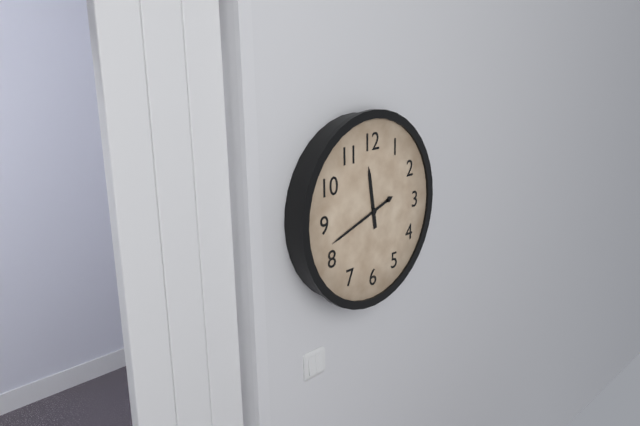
11 h 42 min
